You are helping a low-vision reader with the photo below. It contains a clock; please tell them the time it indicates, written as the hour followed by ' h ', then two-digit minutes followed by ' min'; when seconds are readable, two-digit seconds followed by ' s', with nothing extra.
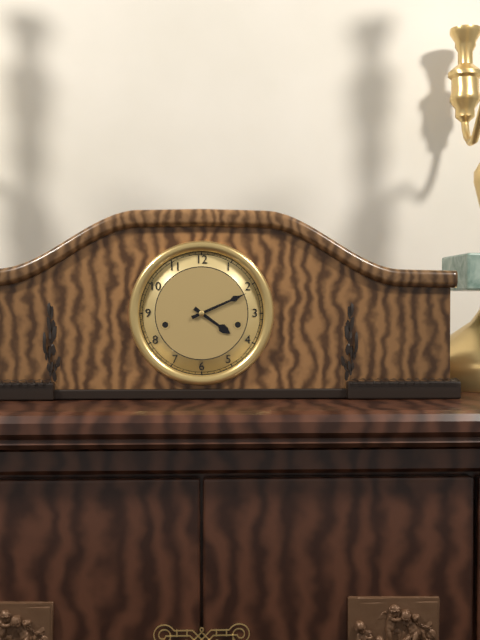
4 h 11 min
